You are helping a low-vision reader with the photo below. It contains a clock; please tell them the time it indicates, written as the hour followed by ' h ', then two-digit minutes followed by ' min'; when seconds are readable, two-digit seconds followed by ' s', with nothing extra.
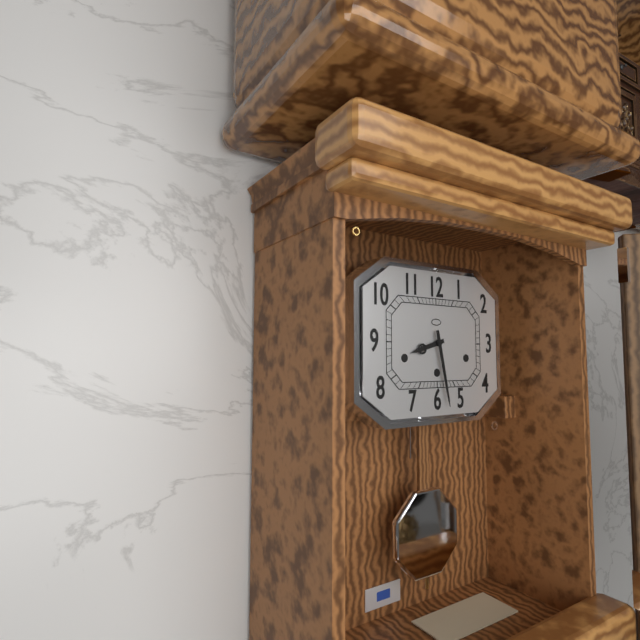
8 h 28 min
